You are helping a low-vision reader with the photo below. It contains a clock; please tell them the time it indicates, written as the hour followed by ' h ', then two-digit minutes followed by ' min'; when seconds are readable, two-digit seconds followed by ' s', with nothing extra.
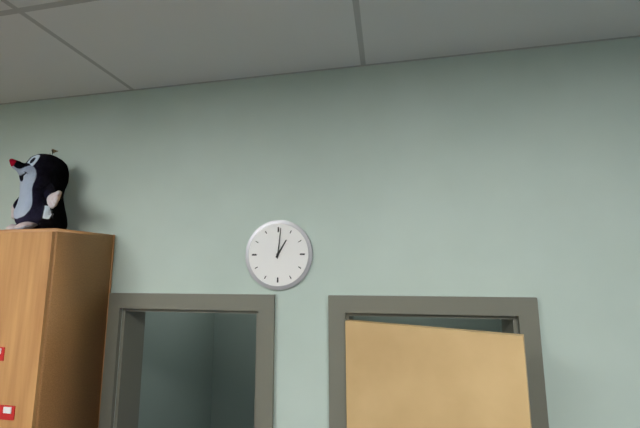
1 h 01 min
